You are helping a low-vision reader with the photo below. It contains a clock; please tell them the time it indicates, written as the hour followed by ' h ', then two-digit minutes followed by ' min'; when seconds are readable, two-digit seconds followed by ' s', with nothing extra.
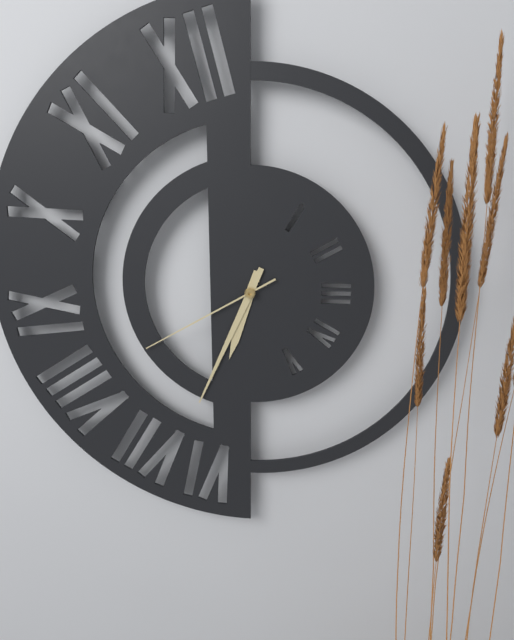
6 h 34 min 40 s
